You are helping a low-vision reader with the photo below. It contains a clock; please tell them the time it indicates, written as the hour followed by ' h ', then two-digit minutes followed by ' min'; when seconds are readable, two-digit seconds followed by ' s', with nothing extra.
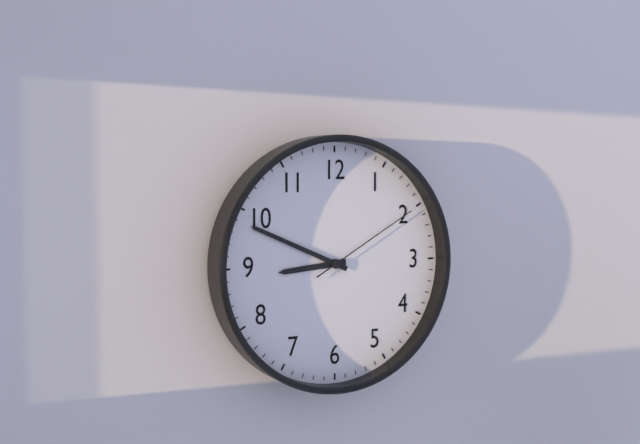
8 h 49 min 10 s
